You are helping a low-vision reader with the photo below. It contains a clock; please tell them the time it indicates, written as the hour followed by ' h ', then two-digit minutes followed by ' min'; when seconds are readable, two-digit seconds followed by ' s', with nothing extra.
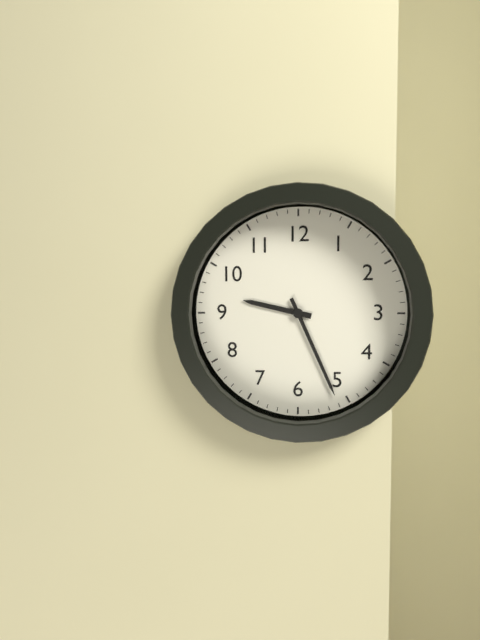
9 h 26 min
